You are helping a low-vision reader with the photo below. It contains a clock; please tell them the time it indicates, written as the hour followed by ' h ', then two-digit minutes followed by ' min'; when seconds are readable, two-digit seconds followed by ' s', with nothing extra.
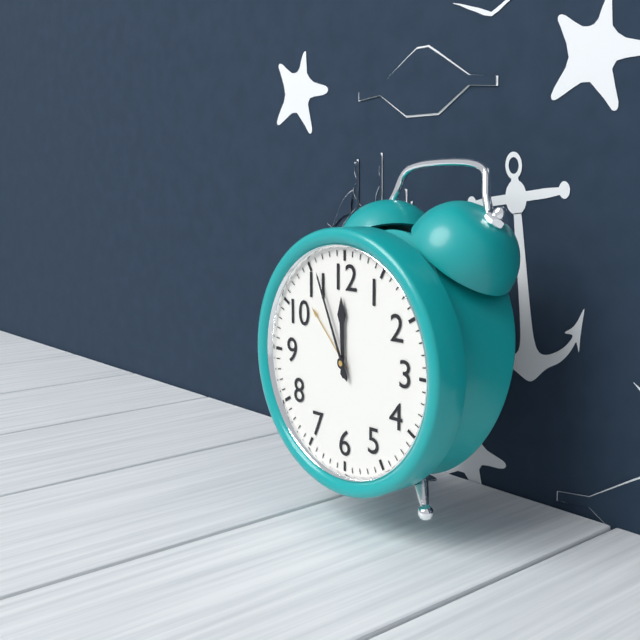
11 h 56 min
